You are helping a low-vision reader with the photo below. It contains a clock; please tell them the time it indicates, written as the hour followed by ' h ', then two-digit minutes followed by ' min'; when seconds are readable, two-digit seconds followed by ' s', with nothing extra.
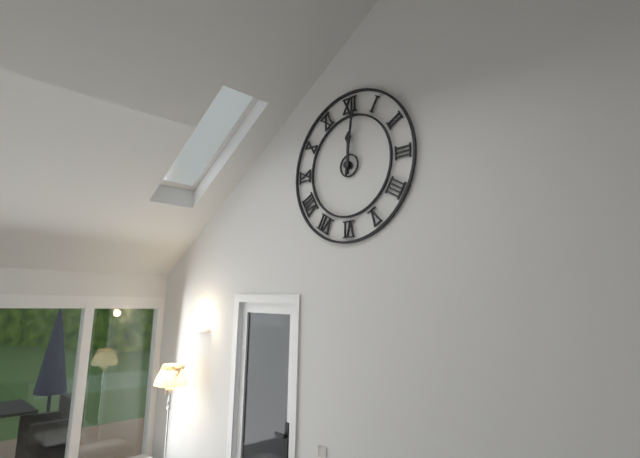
12 h 01 min
